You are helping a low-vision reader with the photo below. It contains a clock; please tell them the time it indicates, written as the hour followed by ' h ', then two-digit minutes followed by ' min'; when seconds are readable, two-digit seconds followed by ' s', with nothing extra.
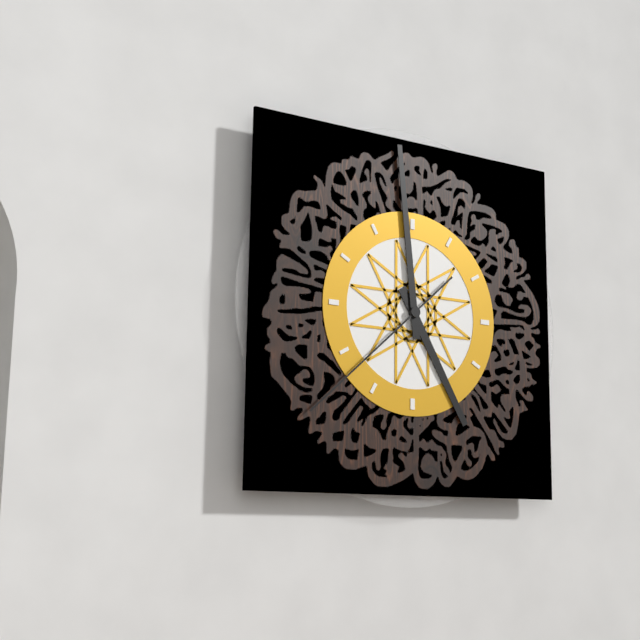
4 h 59 min 38 s
